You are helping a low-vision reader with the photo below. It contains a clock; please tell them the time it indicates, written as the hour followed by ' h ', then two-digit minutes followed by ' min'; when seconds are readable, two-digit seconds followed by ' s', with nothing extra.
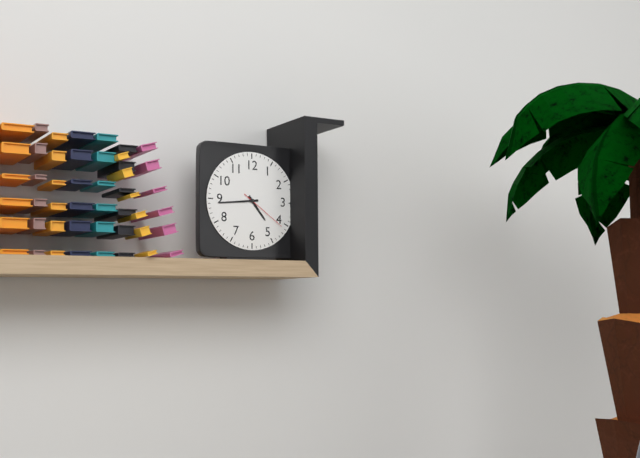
4 h 44 min 21 s
